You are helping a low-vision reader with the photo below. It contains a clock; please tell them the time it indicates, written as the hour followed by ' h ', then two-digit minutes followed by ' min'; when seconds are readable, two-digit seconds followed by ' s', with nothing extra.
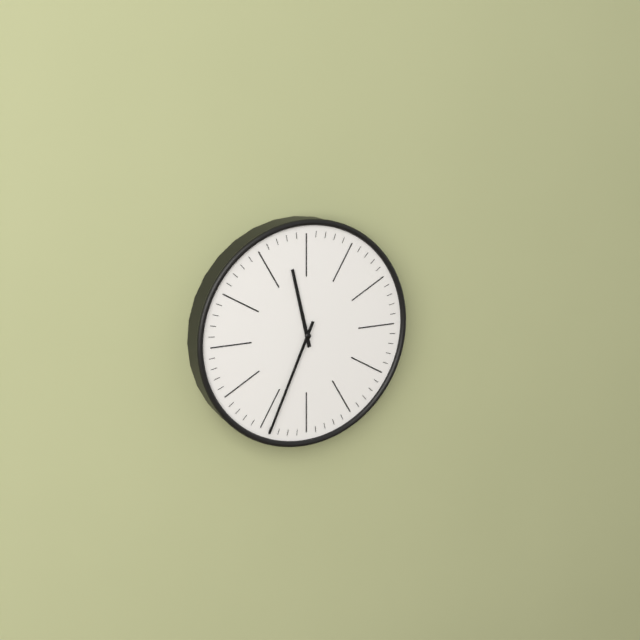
11 h 34 min
